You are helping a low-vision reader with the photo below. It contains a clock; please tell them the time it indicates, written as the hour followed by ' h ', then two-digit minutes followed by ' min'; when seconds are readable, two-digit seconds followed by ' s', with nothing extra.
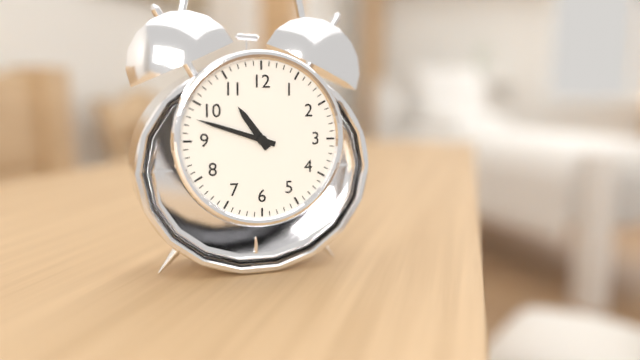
10 h 48 min
